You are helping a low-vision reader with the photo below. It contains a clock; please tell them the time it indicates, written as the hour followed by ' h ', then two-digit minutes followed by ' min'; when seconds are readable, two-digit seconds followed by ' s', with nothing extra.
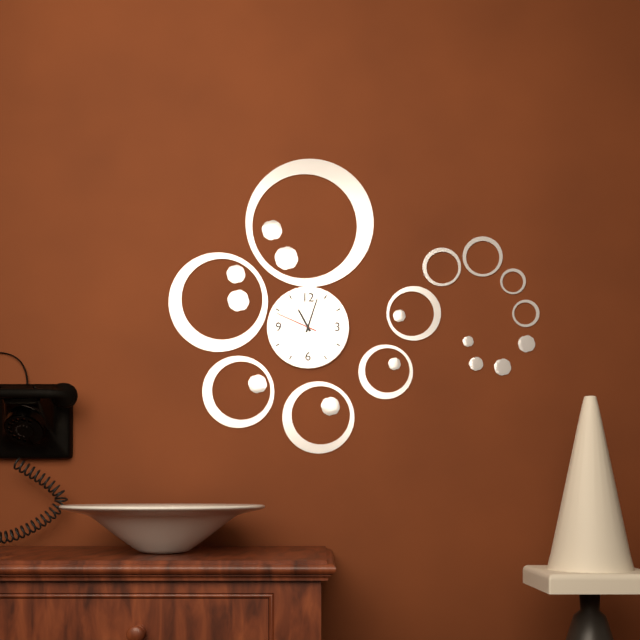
11 h 03 min
